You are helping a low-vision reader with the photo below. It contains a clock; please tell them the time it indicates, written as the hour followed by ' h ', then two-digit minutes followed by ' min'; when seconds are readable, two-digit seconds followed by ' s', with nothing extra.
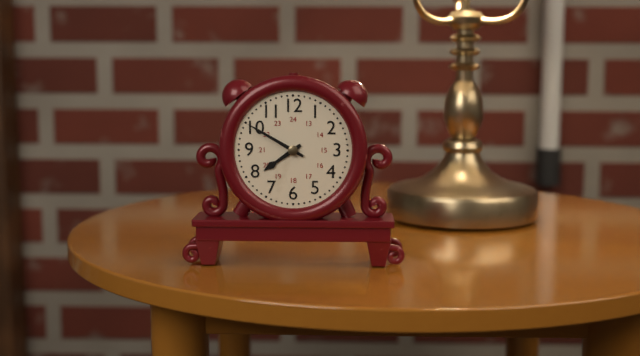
7 h 50 min
